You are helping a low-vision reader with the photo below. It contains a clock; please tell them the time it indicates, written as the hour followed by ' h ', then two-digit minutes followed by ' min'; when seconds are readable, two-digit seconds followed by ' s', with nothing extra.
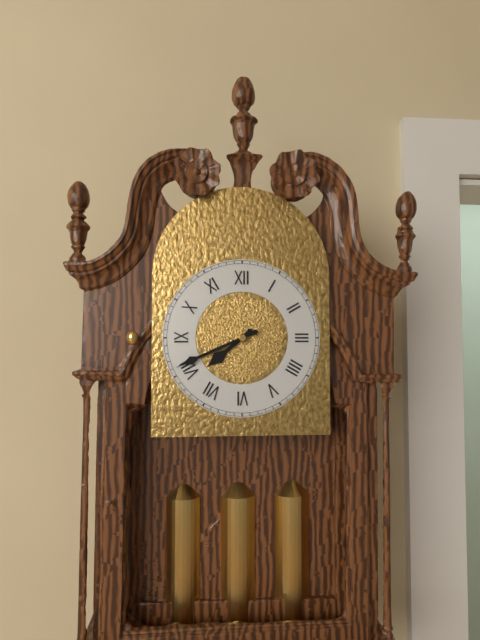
7 h 41 min
